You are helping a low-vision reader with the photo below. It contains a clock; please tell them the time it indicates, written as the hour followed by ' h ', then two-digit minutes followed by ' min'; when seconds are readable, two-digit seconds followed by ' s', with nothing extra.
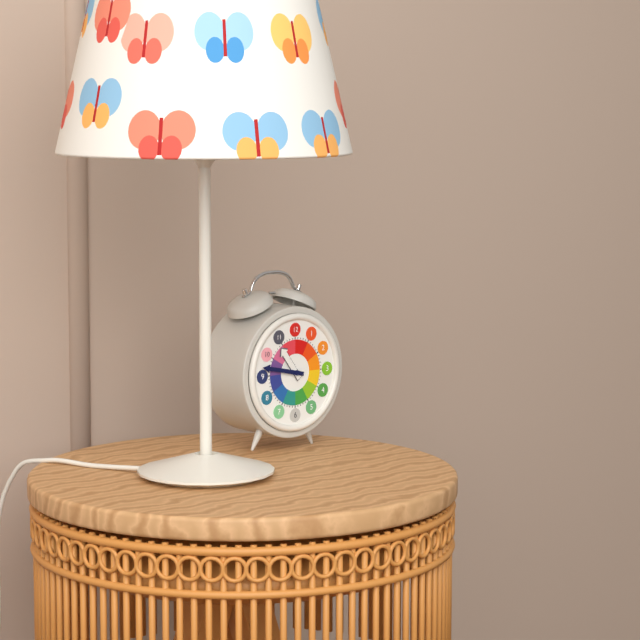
10 h 47 min
